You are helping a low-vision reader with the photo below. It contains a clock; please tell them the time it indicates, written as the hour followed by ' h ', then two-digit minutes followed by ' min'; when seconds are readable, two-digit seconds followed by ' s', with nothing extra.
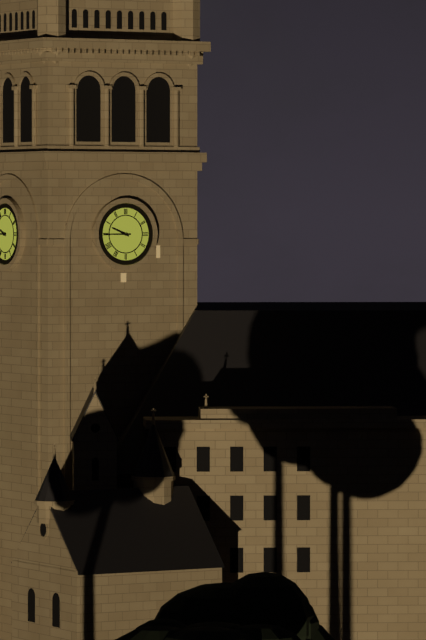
9 h 45 min
